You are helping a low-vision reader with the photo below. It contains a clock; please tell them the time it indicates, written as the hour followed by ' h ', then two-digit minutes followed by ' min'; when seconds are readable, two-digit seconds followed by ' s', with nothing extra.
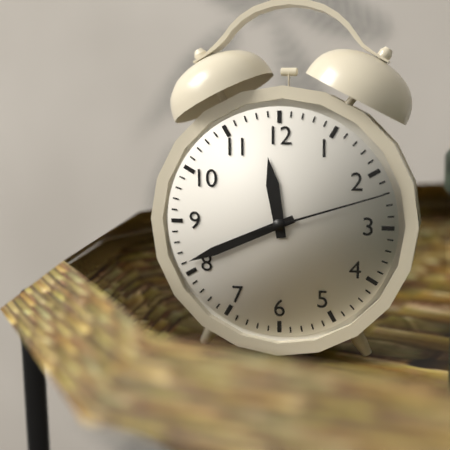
11 h 41 min 12 s
